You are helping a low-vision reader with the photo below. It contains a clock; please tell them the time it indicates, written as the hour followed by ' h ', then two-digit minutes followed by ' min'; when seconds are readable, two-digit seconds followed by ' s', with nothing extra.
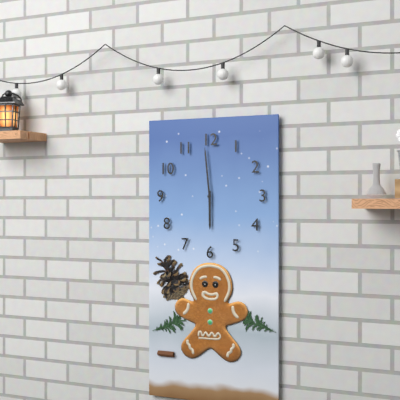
5 h 59 min
